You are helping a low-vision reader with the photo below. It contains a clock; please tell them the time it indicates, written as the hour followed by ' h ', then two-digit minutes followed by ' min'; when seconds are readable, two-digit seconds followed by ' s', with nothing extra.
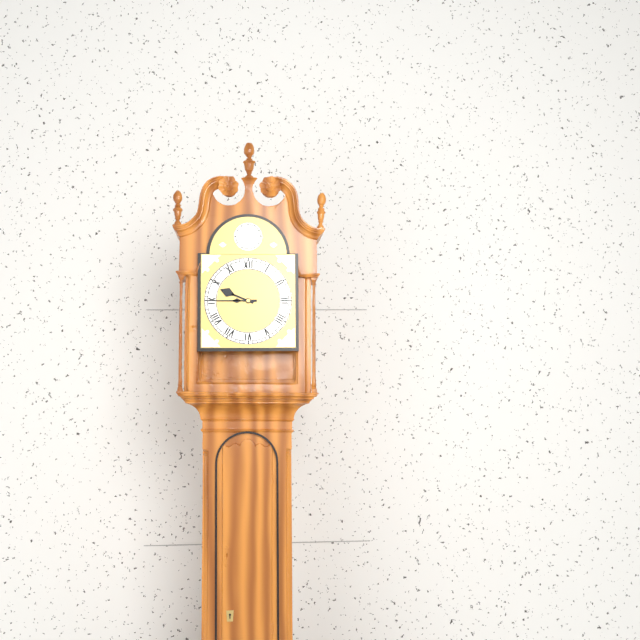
9 h 45 min
